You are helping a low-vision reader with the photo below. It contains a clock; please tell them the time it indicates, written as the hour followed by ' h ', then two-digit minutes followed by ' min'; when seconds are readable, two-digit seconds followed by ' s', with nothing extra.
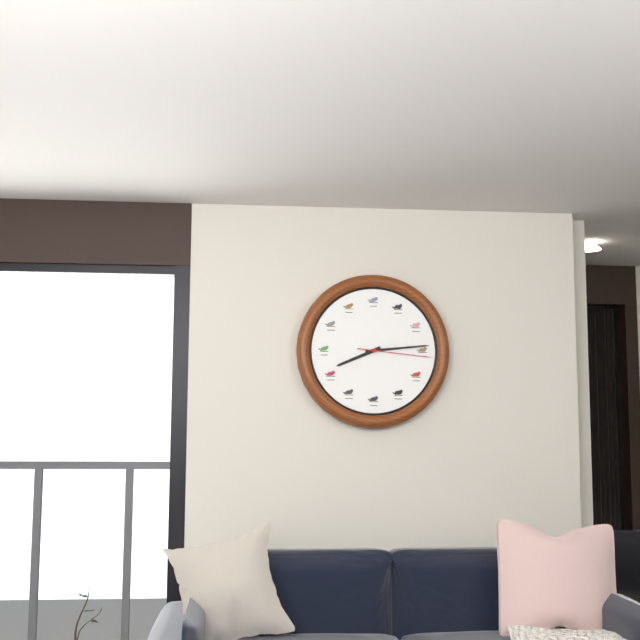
8 h 14 min 16 s
